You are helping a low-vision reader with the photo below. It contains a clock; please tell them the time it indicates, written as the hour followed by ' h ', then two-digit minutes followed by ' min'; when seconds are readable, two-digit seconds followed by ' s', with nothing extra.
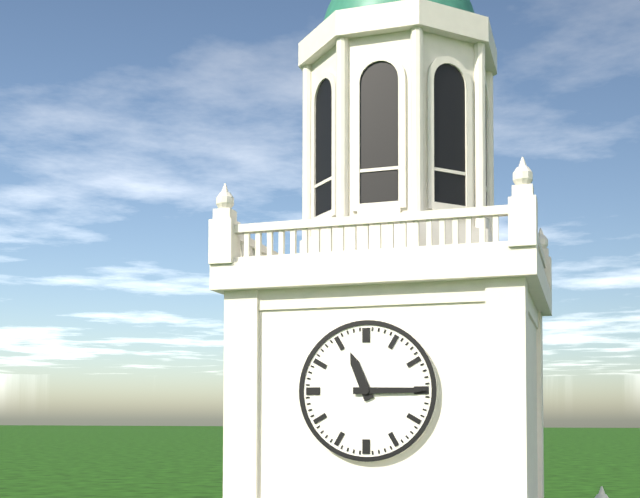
11 h 15 min
